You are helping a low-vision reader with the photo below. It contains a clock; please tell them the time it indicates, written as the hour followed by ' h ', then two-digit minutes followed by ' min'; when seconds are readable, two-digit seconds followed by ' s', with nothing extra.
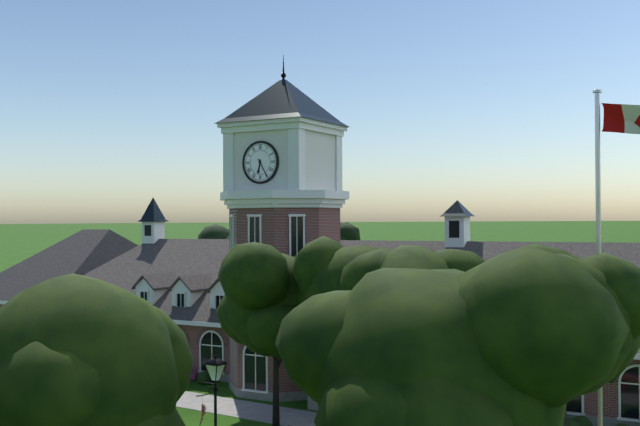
6 h 25 min
